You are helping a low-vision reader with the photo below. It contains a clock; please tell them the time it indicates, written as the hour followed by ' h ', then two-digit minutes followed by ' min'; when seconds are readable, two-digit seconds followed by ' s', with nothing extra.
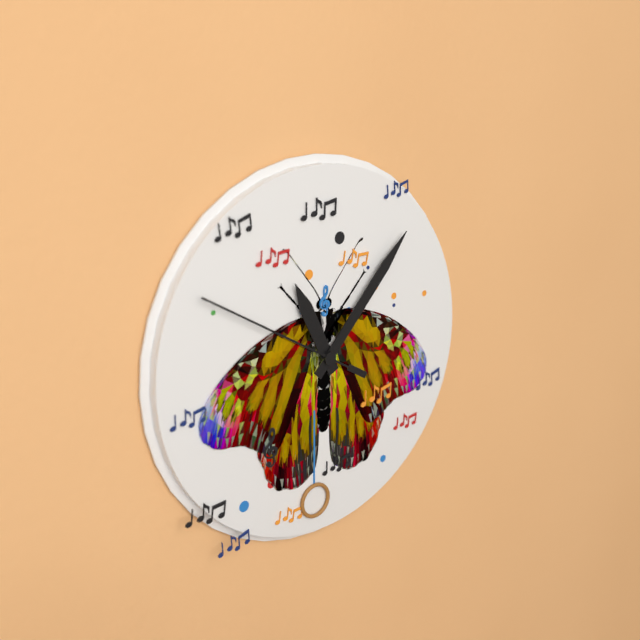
11 h 07 min 50 s
